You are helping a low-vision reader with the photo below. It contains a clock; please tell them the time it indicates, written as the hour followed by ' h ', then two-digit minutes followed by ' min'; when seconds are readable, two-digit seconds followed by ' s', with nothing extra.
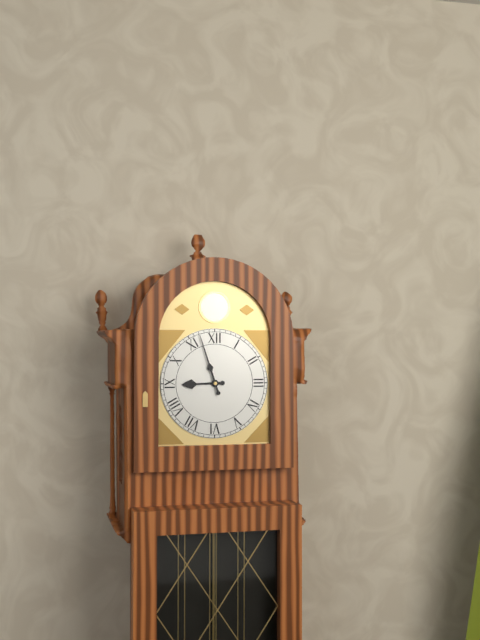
8 h 57 min
